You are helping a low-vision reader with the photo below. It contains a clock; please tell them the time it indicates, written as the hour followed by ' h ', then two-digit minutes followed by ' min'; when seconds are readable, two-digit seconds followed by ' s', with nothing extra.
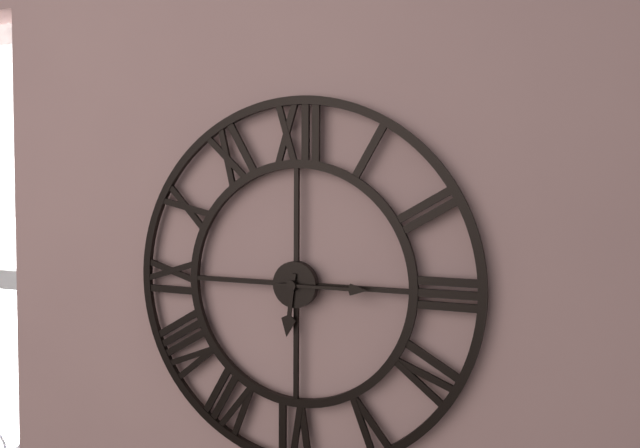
6 h 15 min
